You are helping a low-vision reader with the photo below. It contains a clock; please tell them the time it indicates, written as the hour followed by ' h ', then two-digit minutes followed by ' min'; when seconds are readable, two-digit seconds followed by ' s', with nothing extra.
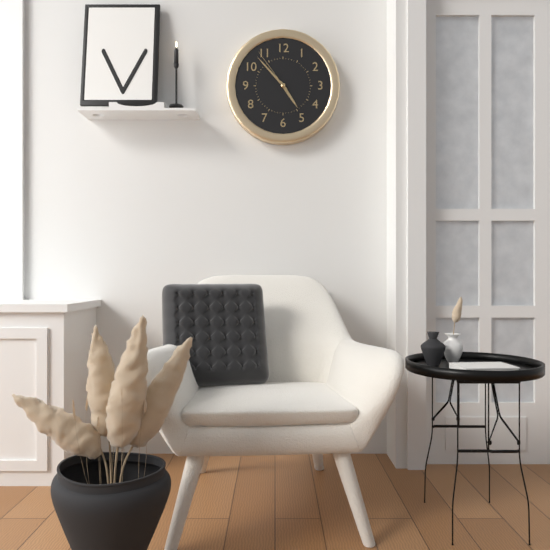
4 h 53 min 54 s
